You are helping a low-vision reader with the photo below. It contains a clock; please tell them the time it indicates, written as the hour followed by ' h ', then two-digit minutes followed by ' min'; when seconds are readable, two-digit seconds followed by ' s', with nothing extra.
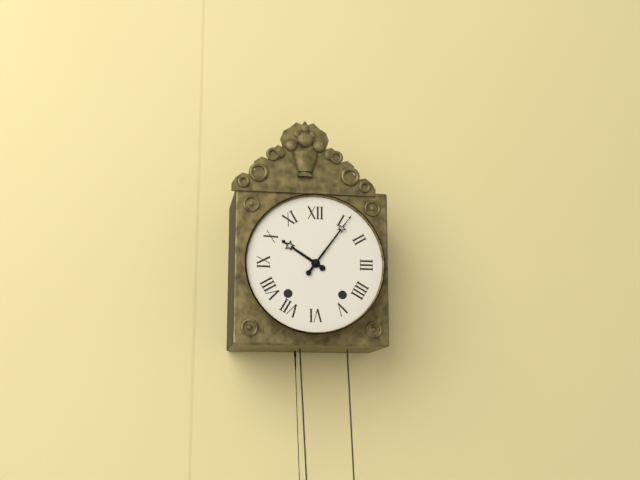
10 h 06 min
